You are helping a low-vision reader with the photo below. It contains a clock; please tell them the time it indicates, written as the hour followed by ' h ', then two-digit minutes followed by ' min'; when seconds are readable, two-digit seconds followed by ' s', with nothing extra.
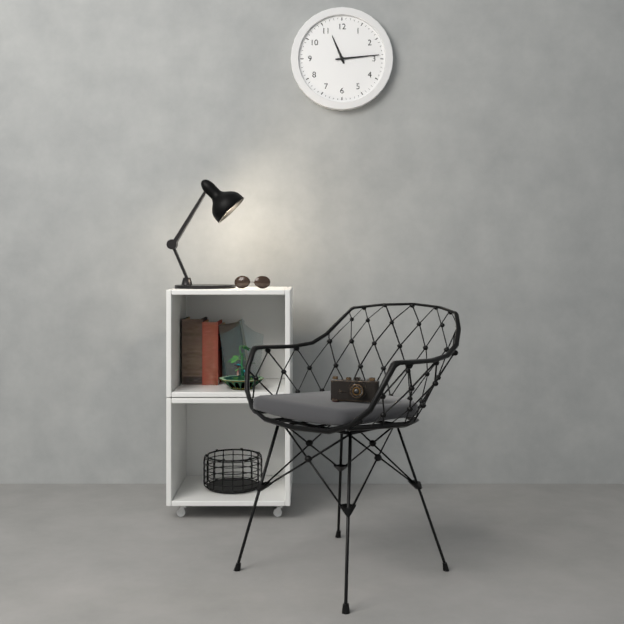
11 h 14 min
